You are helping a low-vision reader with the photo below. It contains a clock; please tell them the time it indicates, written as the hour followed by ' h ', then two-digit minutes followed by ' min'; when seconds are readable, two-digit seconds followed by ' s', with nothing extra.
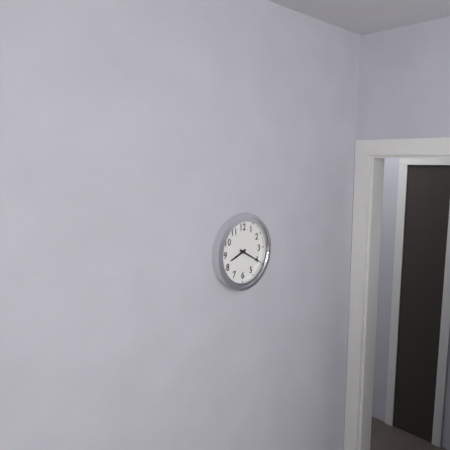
8 h 20 min
